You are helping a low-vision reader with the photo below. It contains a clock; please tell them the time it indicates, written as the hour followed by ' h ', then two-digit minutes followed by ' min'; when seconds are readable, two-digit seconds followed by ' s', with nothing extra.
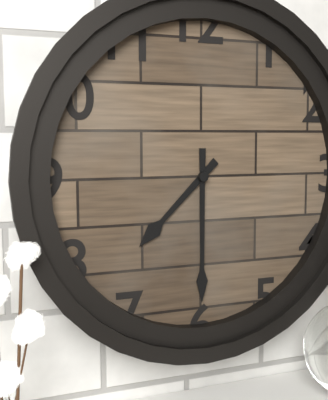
7 h 30 min
